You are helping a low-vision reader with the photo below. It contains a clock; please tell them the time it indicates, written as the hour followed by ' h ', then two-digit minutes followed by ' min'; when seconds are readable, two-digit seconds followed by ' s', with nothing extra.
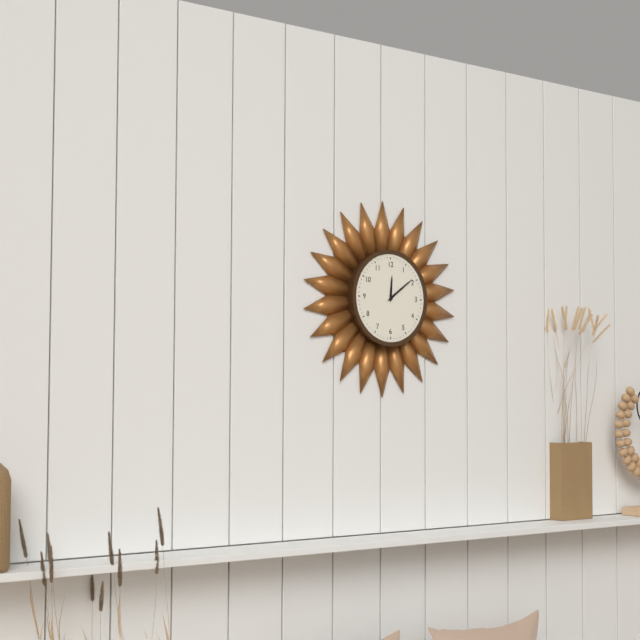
12 h 09 min
